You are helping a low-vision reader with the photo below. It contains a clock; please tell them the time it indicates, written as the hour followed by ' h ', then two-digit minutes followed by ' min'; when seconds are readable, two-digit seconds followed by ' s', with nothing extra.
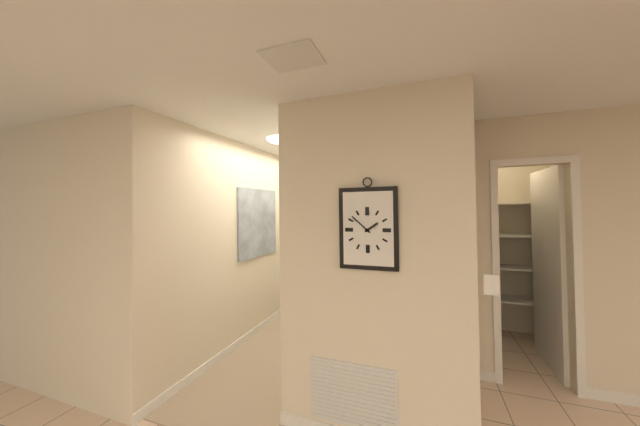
1 h 52 min
